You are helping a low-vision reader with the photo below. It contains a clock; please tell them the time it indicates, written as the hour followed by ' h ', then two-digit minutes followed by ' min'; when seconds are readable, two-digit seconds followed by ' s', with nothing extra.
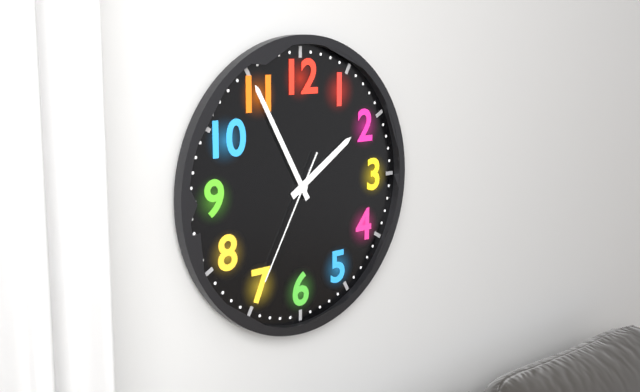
1 h 55 min 35 s
